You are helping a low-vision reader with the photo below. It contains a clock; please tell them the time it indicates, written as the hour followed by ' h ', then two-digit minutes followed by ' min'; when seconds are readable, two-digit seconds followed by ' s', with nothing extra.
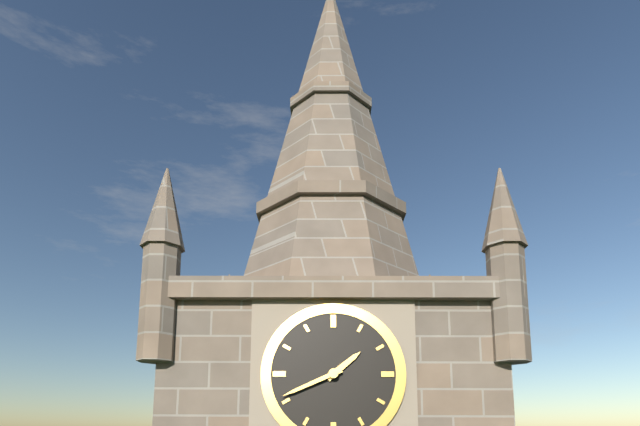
1 h 41 min
